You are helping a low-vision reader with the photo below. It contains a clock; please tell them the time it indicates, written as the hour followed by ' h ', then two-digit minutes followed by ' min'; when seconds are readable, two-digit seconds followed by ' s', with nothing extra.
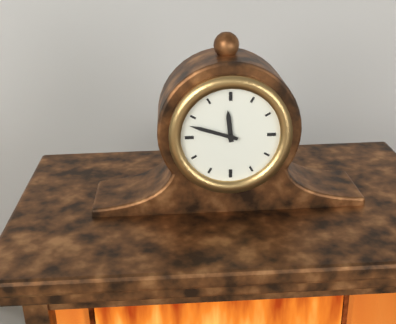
11 h 48 min
